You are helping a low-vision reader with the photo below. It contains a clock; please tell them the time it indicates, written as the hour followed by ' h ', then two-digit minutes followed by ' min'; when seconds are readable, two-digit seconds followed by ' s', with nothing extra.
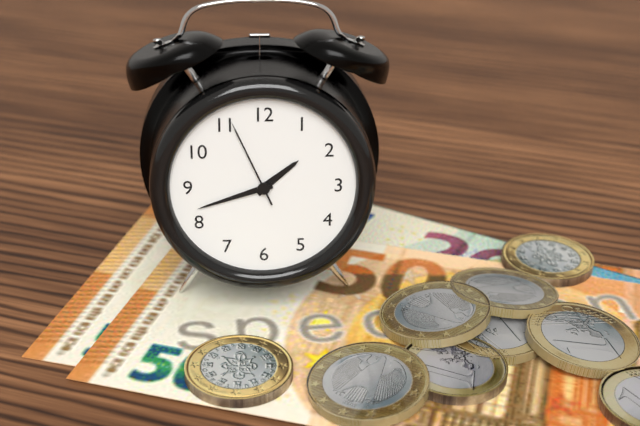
1 h 42 min 56 s
